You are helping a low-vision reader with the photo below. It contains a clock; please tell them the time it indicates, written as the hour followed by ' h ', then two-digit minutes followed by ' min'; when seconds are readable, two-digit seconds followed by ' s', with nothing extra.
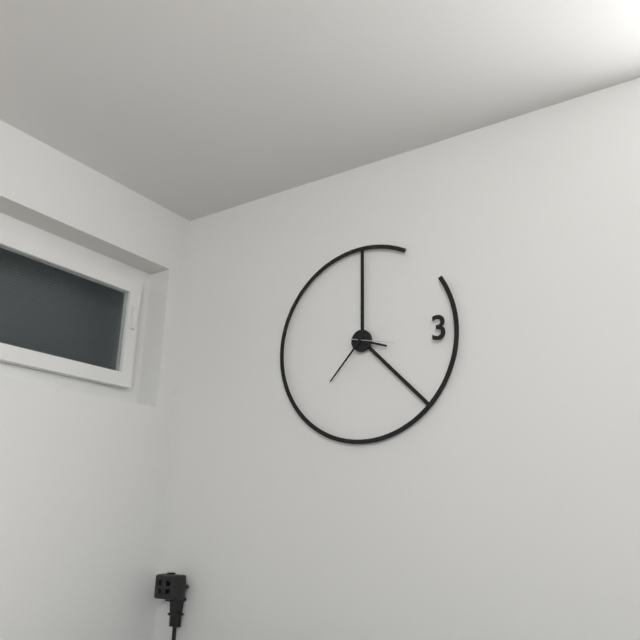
3 h 37 min
